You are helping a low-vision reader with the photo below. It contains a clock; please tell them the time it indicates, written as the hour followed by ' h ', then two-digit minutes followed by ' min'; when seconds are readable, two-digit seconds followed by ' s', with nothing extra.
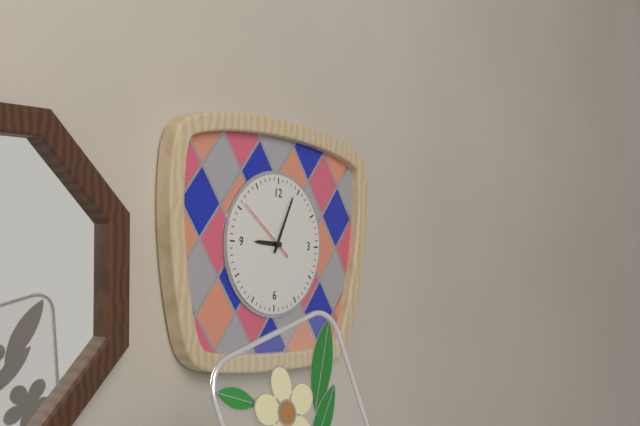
9 h 04 min 51 s
